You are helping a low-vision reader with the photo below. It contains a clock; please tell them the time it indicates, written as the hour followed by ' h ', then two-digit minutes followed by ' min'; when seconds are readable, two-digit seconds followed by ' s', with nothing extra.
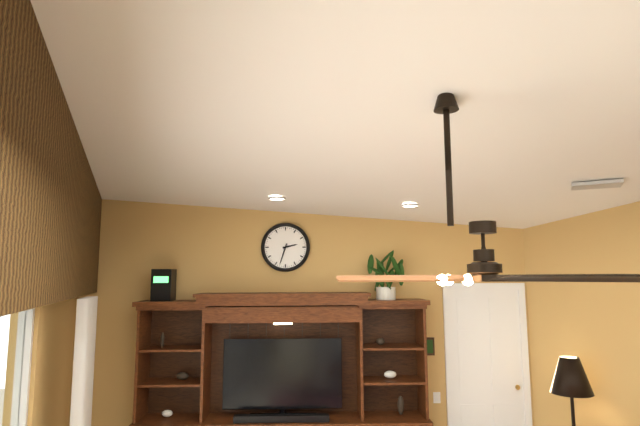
2 h 33 min
